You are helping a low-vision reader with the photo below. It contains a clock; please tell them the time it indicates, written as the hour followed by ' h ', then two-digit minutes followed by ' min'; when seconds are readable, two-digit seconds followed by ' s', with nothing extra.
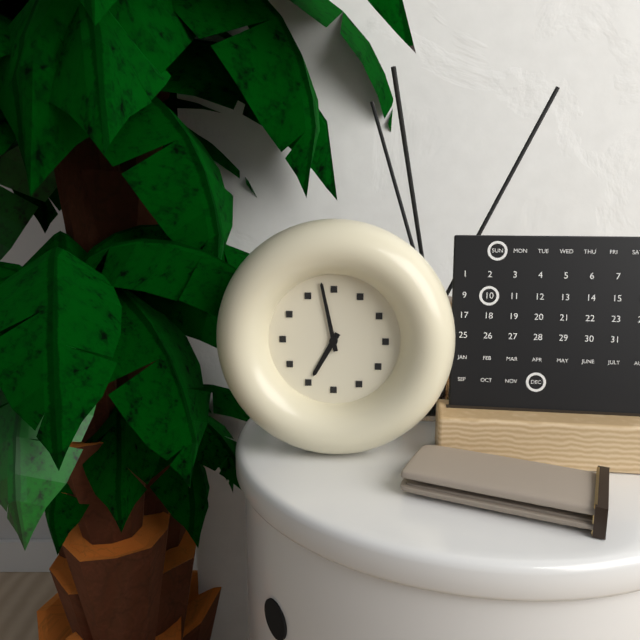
6 h 58 min
